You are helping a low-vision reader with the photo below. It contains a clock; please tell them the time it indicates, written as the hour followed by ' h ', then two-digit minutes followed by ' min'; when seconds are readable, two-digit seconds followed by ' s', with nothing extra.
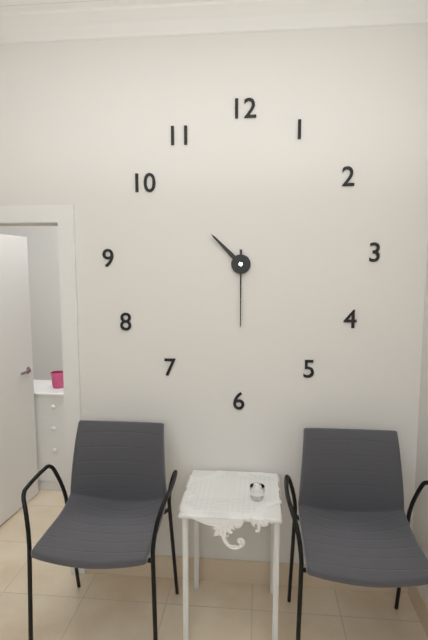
10 h 30 min
